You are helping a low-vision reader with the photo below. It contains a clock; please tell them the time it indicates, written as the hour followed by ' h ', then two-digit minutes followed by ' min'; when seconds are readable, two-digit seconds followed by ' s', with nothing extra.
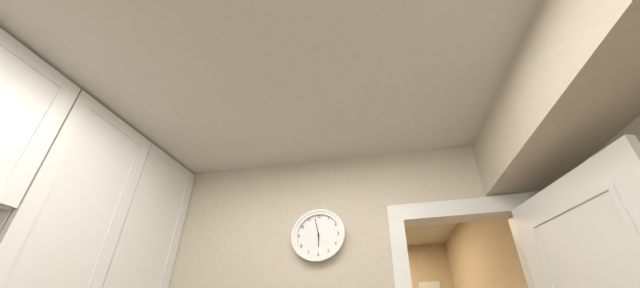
5 h 58 min
